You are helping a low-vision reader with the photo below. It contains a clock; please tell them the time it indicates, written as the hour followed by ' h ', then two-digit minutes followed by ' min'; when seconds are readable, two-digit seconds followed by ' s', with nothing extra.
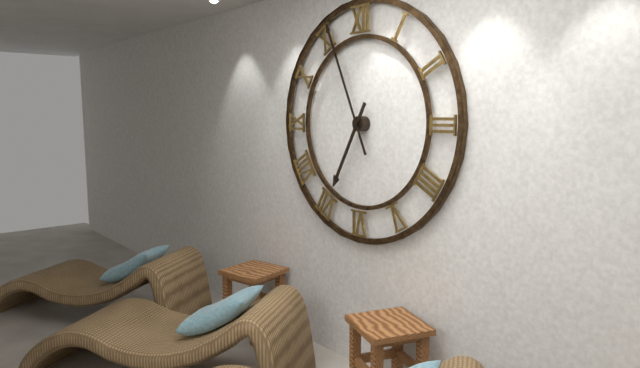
6 h 56 min
